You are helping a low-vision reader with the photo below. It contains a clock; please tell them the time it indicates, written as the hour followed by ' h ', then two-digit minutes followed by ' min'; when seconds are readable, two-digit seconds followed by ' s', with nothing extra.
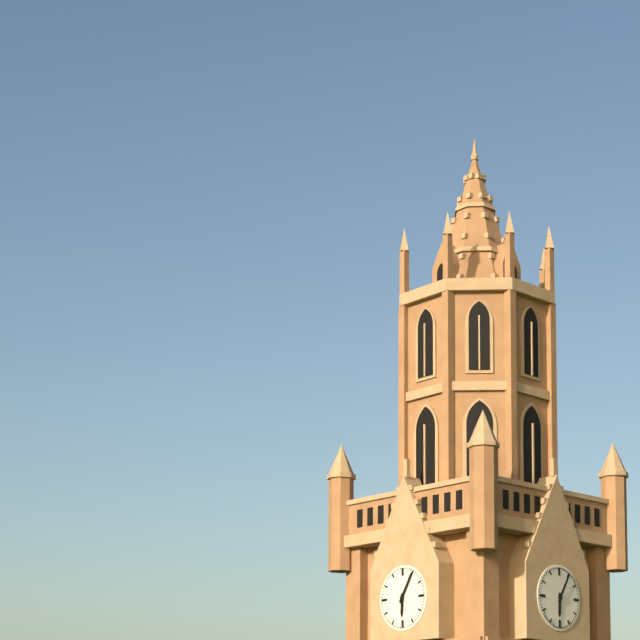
6 h 05 min
